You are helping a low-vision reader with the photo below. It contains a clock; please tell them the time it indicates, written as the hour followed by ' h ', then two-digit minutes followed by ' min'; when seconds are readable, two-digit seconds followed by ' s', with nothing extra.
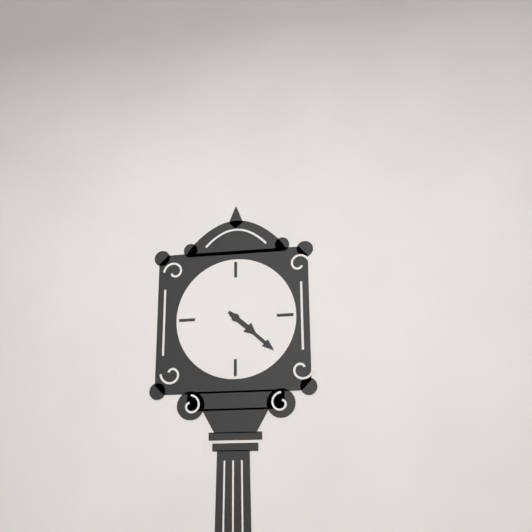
4 h 22 min
